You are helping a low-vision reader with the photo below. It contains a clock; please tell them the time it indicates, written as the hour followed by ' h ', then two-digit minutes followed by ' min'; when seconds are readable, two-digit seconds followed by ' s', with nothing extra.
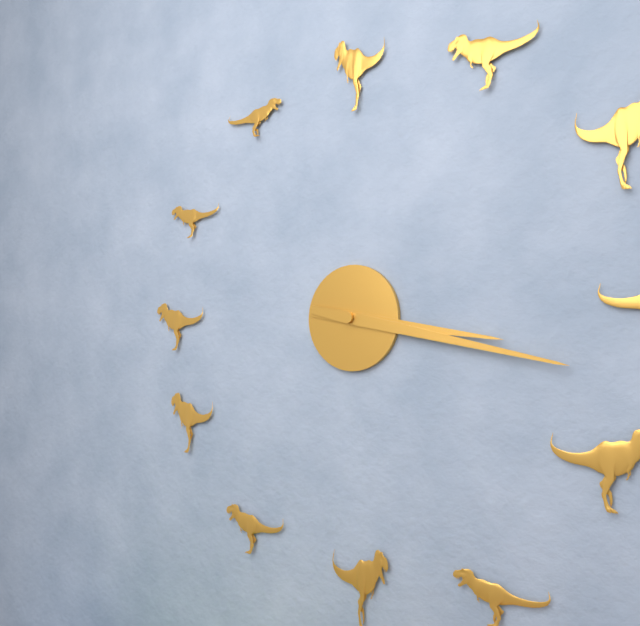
3 h 17 min
